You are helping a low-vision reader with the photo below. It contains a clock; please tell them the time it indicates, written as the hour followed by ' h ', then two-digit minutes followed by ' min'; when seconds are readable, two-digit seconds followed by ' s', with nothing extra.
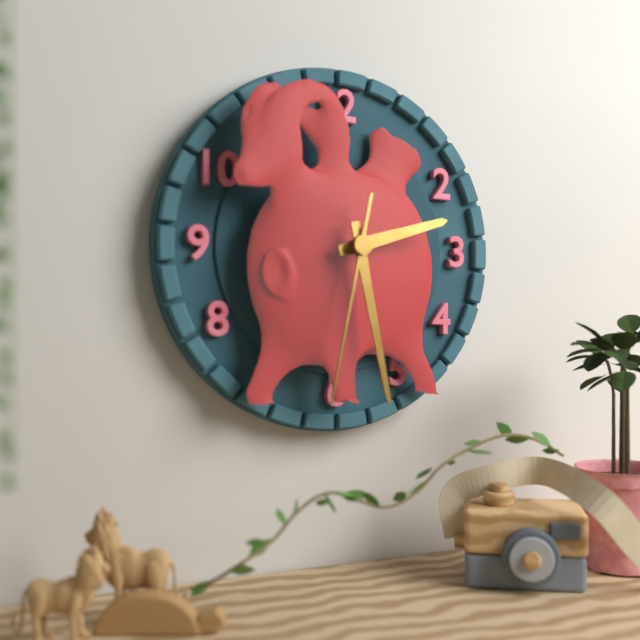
2 h 28 min 32 s
